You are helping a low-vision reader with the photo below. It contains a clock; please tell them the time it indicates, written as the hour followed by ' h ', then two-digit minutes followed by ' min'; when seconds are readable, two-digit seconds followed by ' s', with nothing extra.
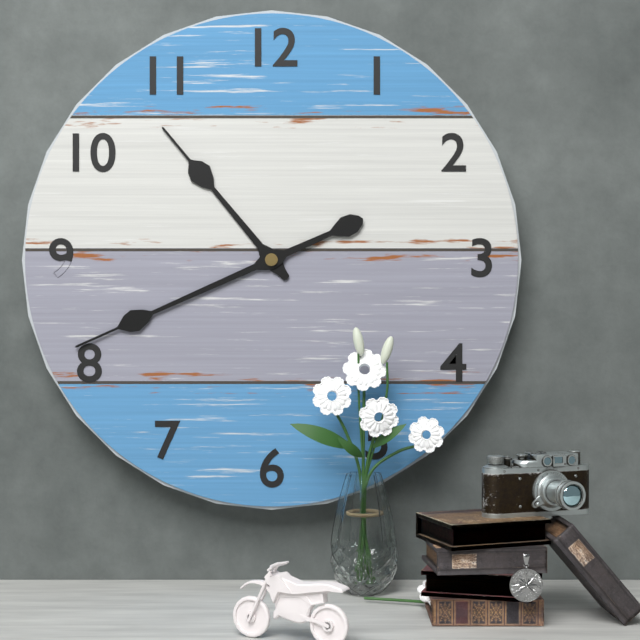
10 h 41 min
